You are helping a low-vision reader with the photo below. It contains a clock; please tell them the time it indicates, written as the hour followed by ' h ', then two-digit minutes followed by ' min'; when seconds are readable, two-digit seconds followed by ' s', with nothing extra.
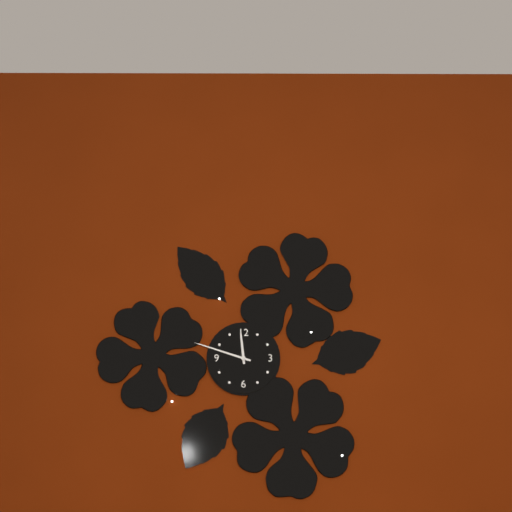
11 h 48 min
